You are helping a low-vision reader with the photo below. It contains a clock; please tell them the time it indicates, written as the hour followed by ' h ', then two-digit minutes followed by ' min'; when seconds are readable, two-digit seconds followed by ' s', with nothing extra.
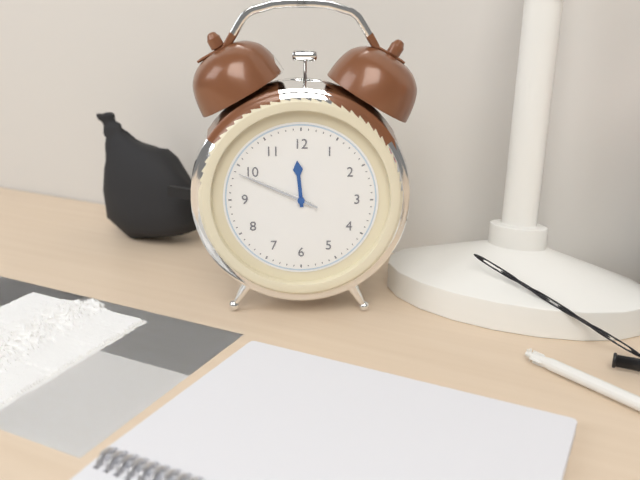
11 h 49 min 49 s
